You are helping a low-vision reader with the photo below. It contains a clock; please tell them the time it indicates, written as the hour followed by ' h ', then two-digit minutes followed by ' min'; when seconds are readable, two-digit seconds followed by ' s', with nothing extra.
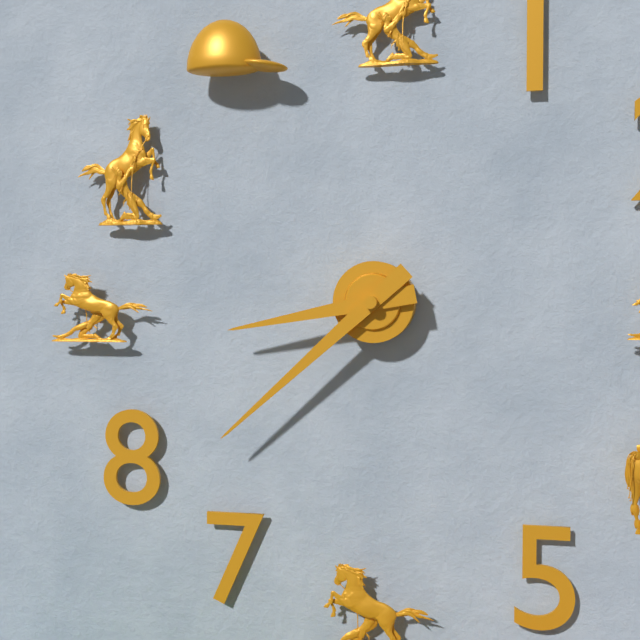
8 h 38 min
